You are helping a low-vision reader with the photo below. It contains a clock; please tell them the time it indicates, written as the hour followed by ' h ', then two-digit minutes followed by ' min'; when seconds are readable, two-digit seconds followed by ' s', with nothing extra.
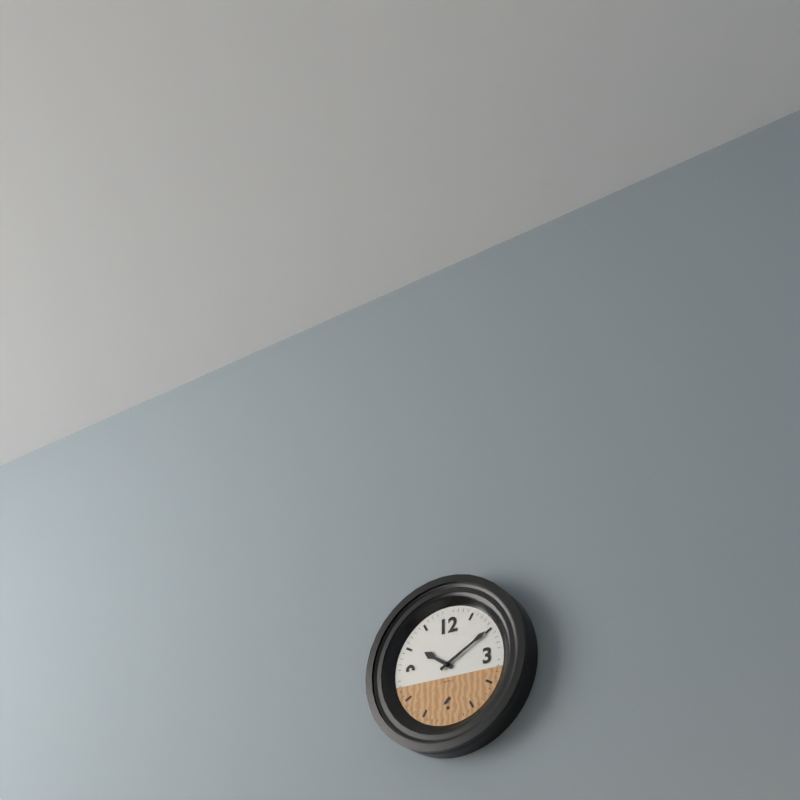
10 h 10 min
